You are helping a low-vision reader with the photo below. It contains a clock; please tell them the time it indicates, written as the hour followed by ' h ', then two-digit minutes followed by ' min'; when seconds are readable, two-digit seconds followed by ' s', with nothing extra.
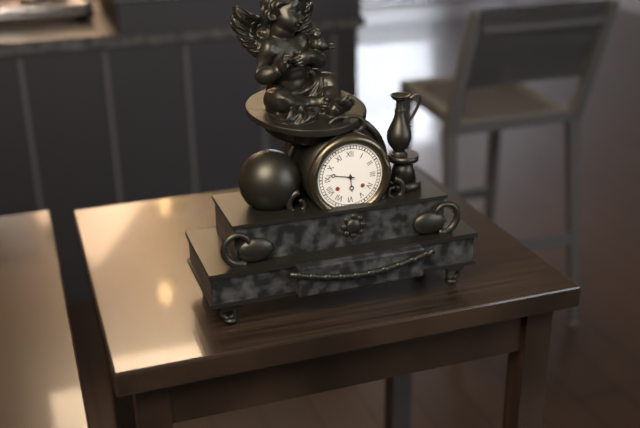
5 h 47 min
